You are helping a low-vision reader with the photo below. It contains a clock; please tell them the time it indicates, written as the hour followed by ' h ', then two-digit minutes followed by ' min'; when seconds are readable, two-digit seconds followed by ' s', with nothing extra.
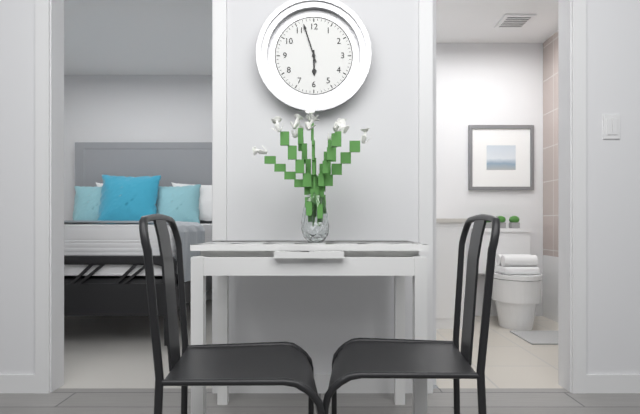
5 h 57 min
